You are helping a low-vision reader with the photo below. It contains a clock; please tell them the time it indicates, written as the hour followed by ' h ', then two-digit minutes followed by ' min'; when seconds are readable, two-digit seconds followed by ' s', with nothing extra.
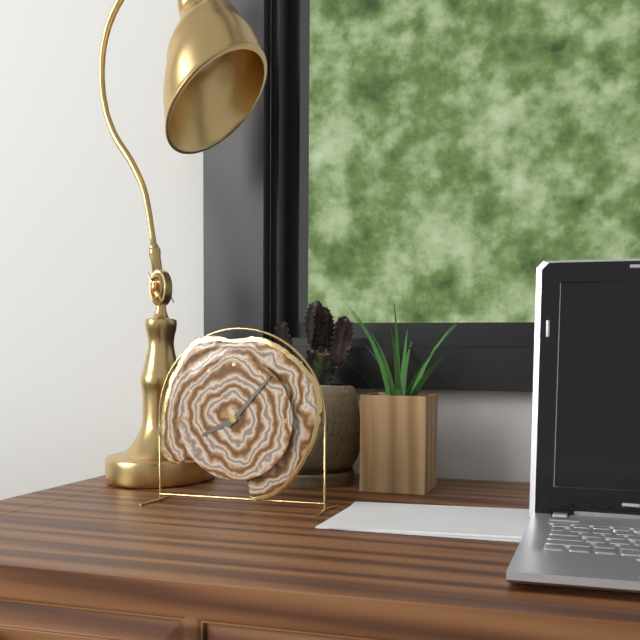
8 h 07 min
